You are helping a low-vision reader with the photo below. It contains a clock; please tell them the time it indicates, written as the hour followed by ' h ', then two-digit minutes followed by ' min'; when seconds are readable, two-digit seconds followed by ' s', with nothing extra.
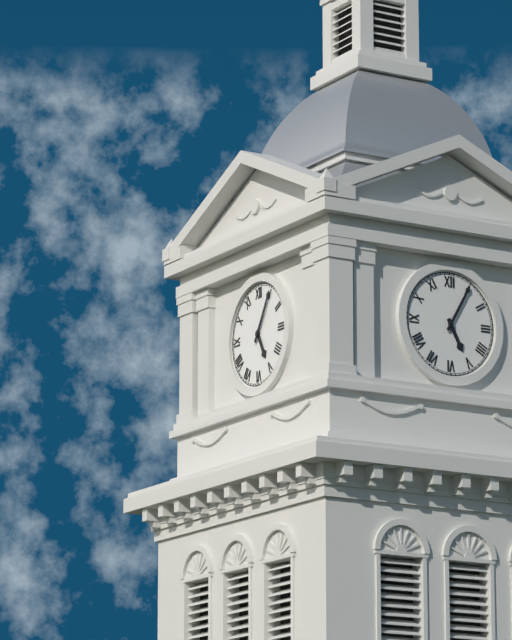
5 h 05 min
